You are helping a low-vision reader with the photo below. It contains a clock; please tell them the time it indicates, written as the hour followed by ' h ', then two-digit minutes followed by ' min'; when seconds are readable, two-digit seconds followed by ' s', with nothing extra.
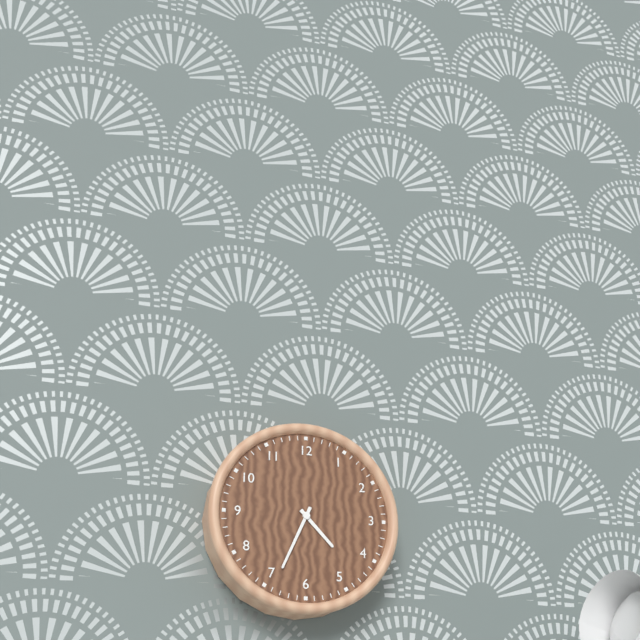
4 h 34 min
